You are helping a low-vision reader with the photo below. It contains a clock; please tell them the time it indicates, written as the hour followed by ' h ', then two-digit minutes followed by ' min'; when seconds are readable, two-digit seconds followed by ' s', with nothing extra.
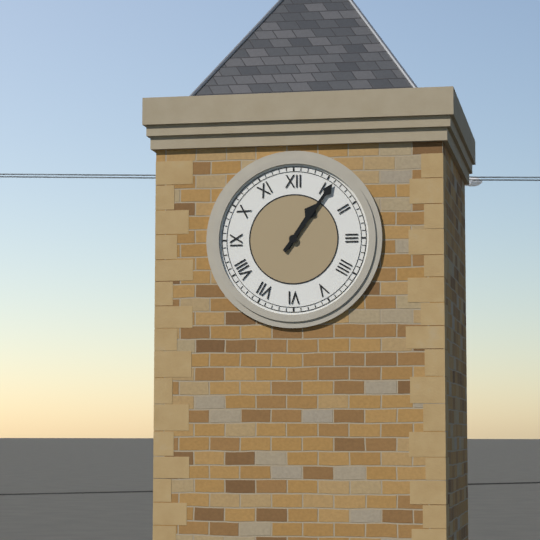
1 h 06 min
